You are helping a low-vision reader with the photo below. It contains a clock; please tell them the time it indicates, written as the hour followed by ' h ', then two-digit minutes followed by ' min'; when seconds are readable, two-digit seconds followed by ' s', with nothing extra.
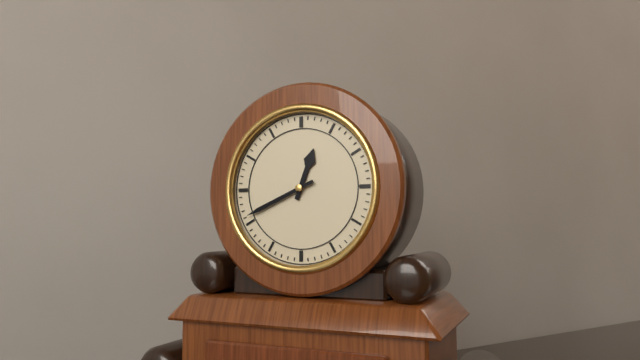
12 h 41 min
